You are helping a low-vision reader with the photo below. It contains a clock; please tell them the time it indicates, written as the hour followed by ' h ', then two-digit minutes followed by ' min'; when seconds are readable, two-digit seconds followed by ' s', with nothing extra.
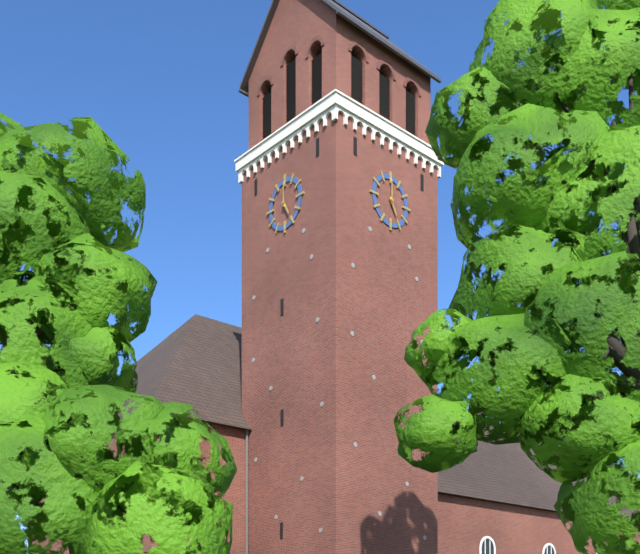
5 h 00 min
